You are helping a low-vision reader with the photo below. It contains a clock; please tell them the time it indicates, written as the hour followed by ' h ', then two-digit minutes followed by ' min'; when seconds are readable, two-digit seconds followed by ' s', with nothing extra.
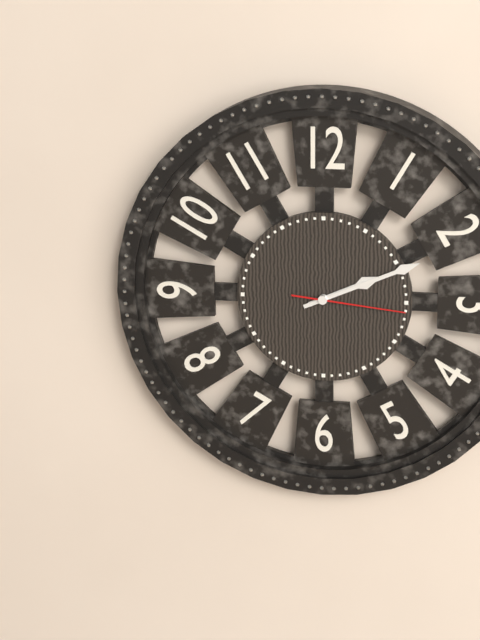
2 h 11 min 16 s
